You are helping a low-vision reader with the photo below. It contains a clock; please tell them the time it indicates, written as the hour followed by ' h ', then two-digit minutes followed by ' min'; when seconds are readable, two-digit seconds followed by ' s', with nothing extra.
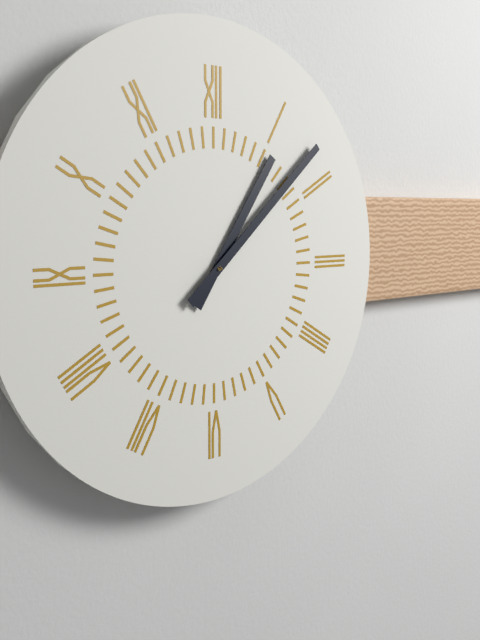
1 h 08 min
